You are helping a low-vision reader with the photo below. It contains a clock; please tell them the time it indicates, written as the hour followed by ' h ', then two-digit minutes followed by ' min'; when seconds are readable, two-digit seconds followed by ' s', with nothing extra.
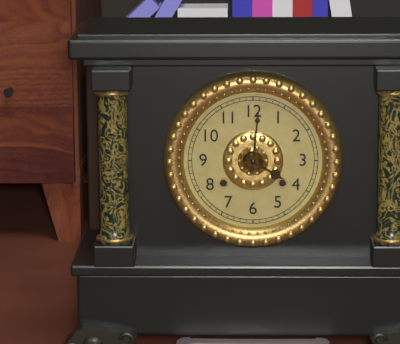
4 h 01 min
